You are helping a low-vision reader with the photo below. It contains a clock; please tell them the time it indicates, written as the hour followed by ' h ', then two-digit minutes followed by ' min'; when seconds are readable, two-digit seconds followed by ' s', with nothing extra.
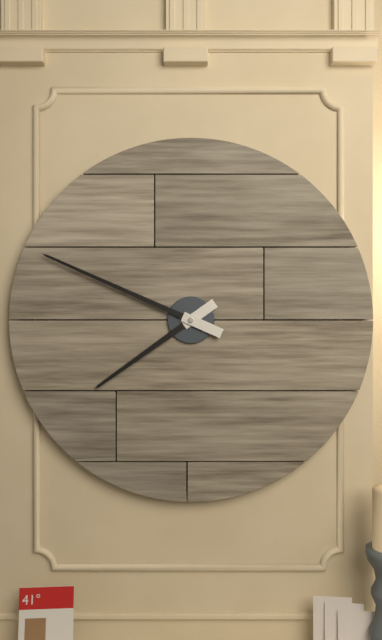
7 h 49 min
